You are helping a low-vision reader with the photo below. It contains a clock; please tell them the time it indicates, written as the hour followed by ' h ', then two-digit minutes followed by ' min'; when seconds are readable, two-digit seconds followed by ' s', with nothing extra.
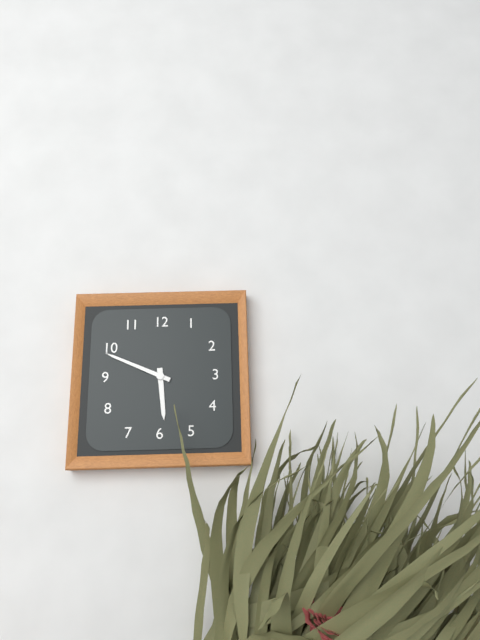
5 h 49 min
